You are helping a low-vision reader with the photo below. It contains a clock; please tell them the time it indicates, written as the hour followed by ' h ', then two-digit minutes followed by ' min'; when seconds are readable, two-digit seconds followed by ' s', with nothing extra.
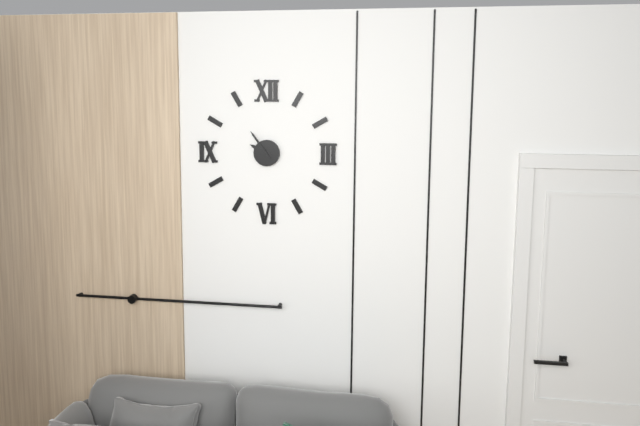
9 h 54 min
